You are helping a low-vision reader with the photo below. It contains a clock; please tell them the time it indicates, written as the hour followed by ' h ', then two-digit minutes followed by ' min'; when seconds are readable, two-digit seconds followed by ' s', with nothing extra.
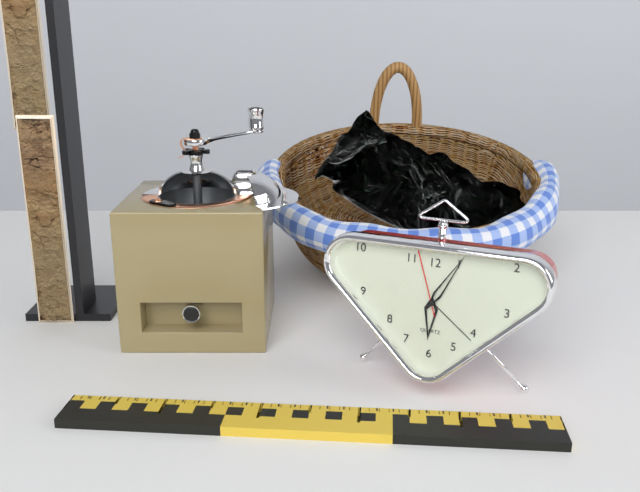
6 h 05 min 57 s
